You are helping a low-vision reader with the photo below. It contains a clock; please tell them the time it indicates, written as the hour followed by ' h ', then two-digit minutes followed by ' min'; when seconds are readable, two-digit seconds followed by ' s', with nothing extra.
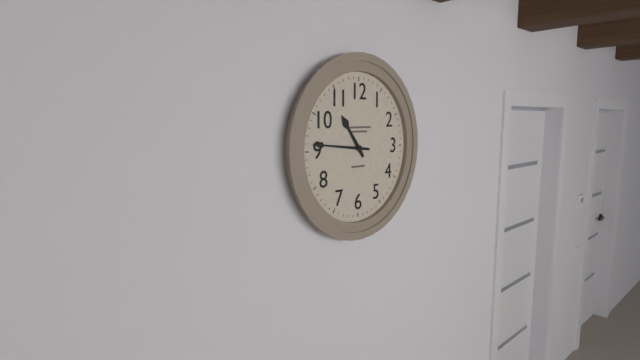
10 h 46 min
